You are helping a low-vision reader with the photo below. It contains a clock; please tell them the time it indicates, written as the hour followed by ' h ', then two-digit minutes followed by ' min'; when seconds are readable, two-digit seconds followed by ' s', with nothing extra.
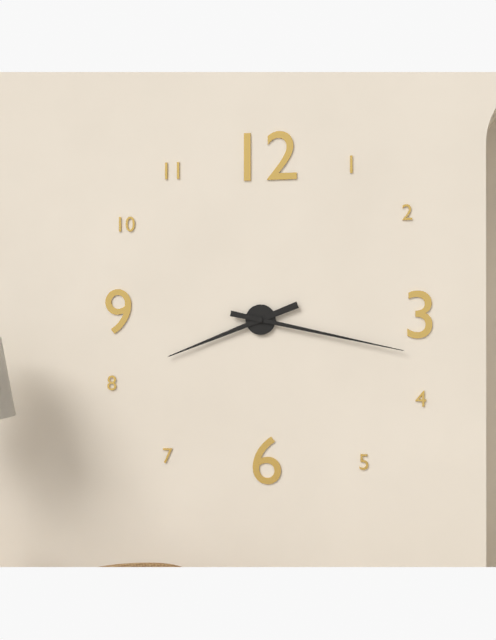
8 h 17 min
